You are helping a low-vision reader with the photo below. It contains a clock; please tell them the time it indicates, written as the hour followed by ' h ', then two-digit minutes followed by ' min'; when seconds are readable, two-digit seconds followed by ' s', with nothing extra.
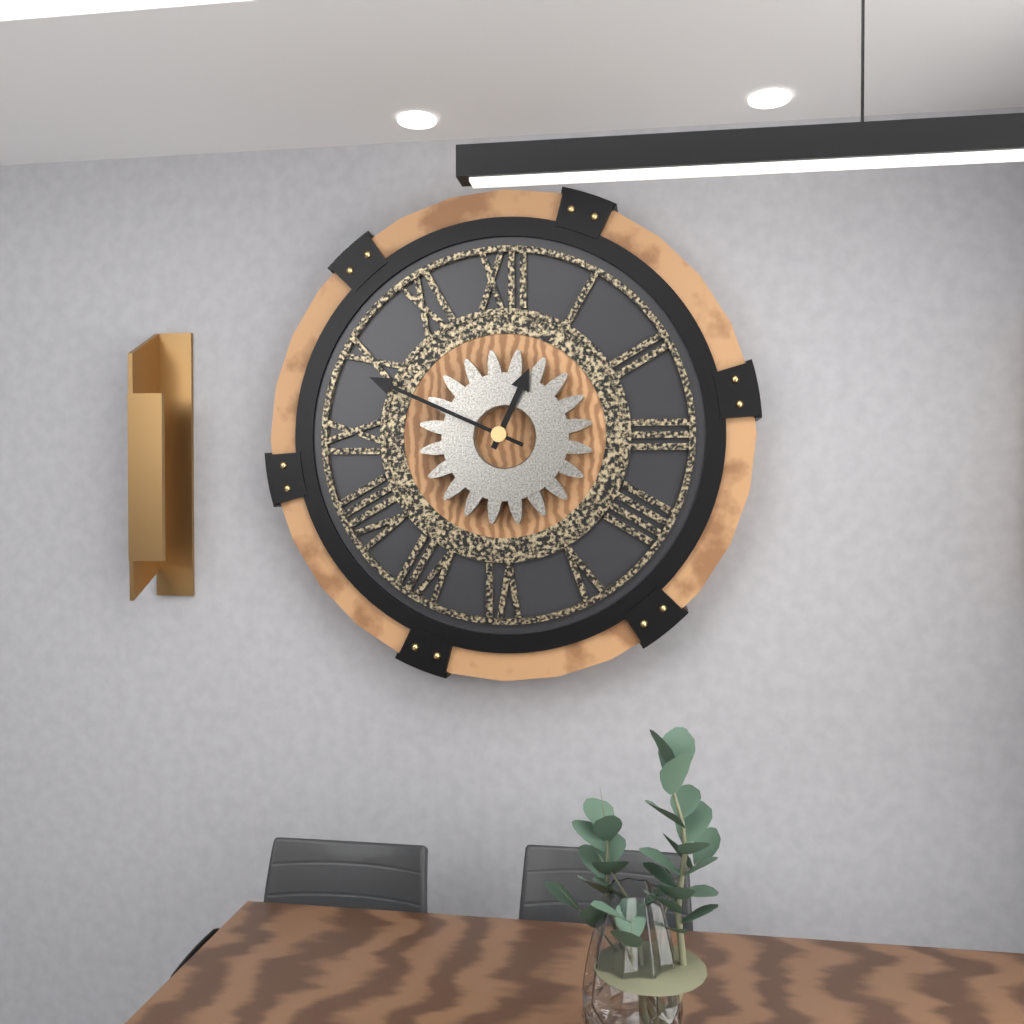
12 h 49 min
